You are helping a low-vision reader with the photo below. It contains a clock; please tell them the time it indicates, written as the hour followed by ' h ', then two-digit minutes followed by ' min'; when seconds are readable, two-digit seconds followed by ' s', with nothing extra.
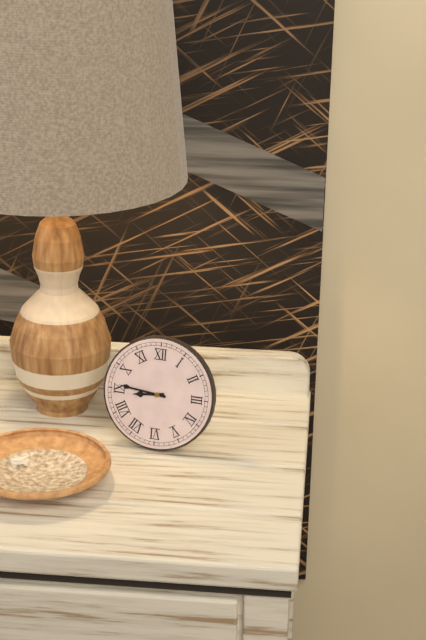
8 h 46 min
